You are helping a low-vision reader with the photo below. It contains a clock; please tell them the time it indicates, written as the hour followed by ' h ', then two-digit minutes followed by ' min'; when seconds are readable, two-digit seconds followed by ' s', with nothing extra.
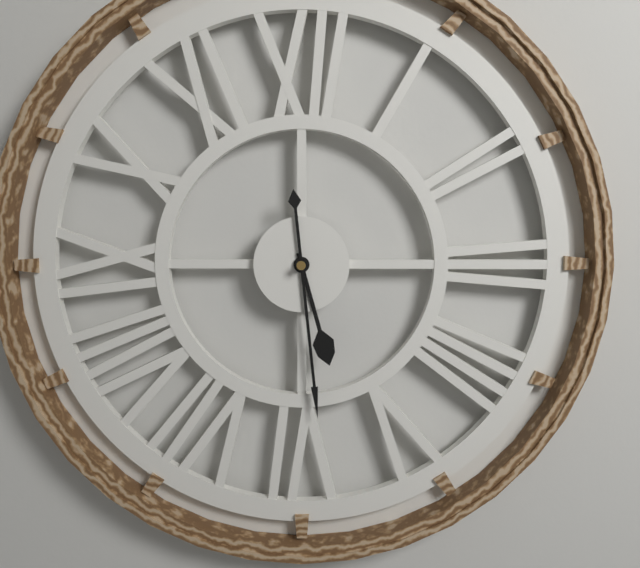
5 h 29 min
